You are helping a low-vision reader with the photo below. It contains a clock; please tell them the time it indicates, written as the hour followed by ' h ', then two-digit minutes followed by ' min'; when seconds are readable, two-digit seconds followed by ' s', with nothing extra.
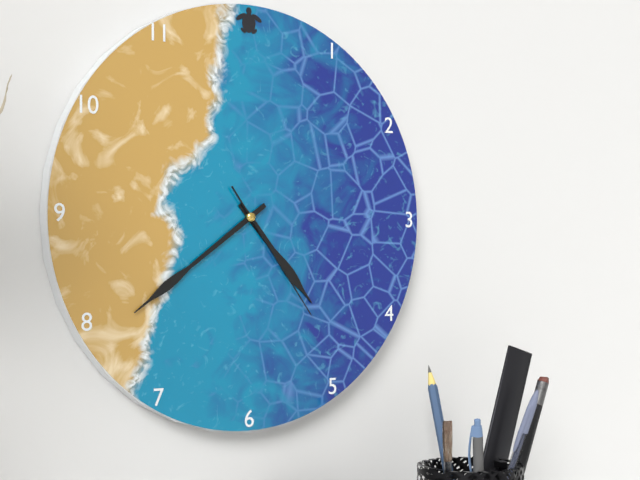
4 h 39 min 24 s
